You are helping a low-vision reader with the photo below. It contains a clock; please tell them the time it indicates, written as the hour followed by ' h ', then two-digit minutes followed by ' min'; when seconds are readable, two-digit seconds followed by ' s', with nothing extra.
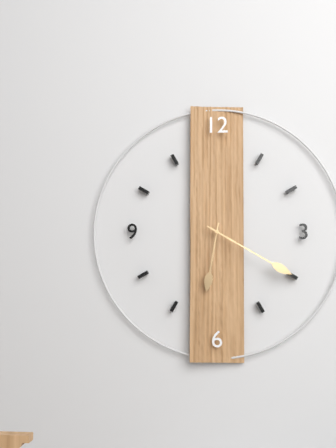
6 h 20 min
